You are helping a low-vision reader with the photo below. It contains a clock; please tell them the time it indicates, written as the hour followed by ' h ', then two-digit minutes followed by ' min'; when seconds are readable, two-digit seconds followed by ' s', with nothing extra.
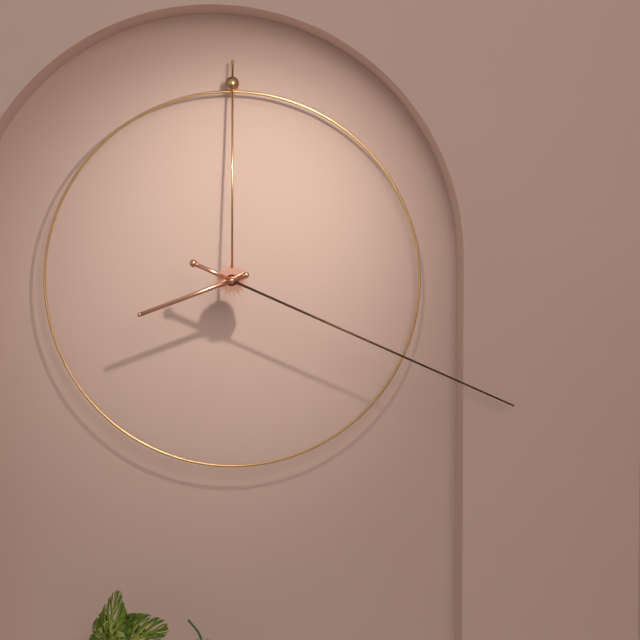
8 h 19 min
